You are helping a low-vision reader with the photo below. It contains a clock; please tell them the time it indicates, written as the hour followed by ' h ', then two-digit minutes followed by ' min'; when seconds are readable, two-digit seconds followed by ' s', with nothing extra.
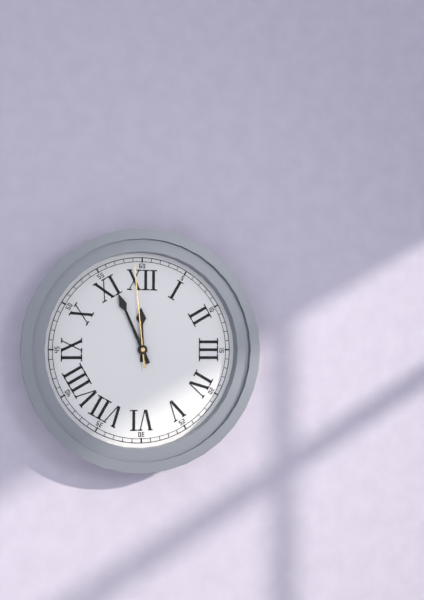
11 h 56 min 59 s
